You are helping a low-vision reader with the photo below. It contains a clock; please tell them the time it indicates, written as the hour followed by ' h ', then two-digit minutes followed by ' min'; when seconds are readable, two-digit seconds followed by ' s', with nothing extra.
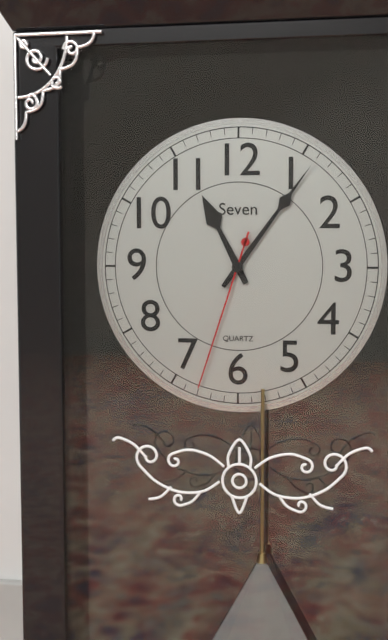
11 h 06 min 33 s
